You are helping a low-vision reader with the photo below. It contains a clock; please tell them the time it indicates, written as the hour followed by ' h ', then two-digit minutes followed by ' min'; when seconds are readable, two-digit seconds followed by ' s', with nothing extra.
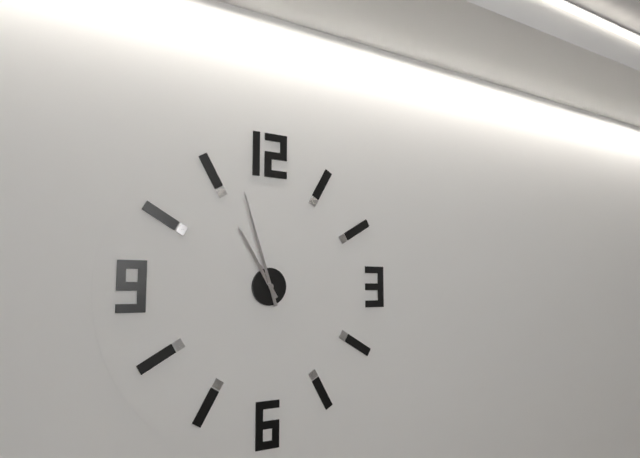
10 h 57 min
